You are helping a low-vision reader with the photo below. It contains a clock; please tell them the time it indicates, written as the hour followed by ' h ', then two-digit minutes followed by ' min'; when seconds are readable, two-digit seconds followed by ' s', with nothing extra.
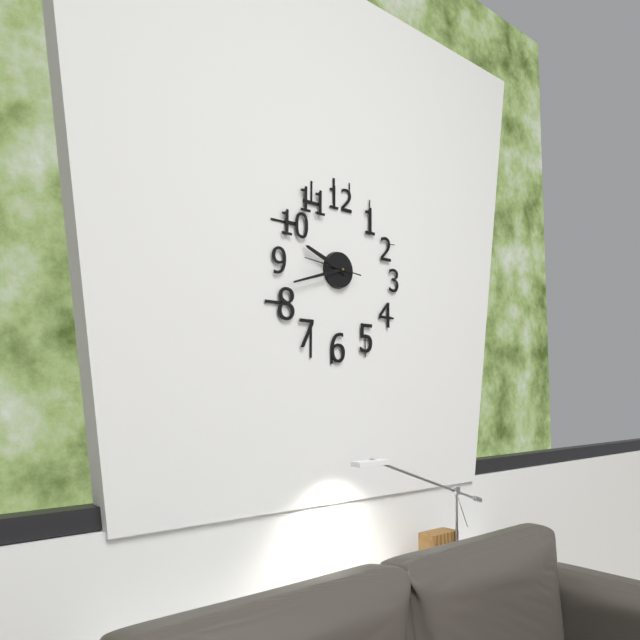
9 h 42 min
